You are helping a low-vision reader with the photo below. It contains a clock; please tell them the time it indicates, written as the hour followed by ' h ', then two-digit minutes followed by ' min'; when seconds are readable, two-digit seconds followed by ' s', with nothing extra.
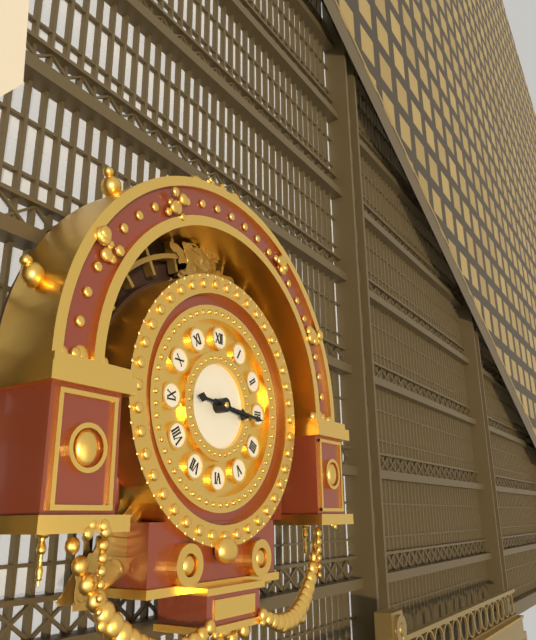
3 h 16 min
